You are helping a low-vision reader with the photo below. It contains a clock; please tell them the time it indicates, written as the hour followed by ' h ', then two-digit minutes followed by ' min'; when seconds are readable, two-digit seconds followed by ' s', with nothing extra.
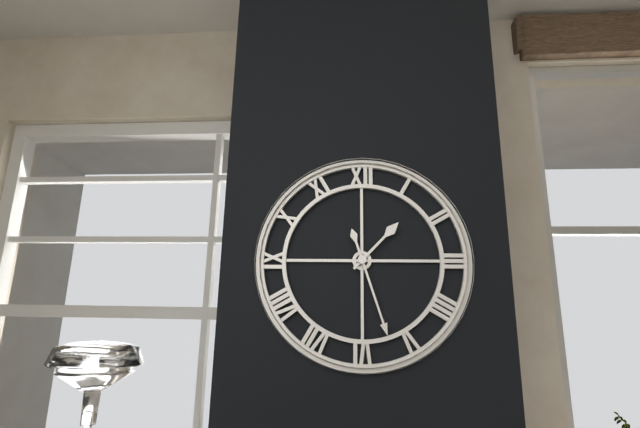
1 h 27 min
